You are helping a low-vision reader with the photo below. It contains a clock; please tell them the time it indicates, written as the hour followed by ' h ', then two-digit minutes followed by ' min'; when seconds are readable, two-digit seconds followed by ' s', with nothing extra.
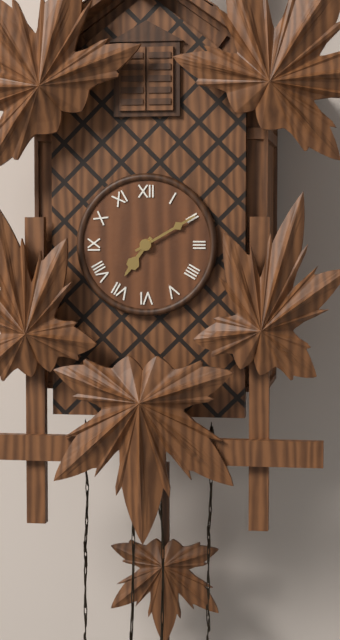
7 h 10 min
